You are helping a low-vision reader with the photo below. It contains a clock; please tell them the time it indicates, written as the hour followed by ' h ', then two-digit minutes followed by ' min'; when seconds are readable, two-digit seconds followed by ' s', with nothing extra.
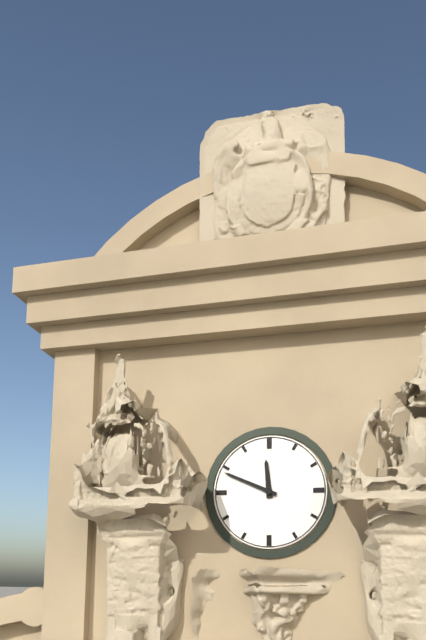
11 h 49 min
